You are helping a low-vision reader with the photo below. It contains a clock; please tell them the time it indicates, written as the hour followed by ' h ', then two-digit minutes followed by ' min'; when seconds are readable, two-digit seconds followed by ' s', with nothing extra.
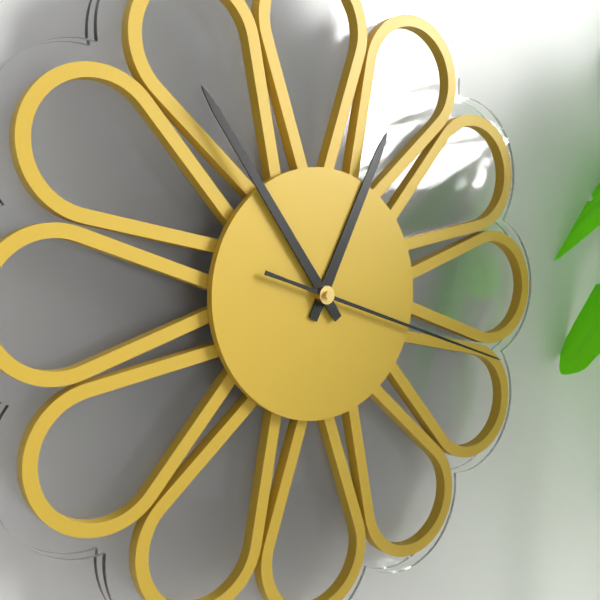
12 h 54 min 18 s
